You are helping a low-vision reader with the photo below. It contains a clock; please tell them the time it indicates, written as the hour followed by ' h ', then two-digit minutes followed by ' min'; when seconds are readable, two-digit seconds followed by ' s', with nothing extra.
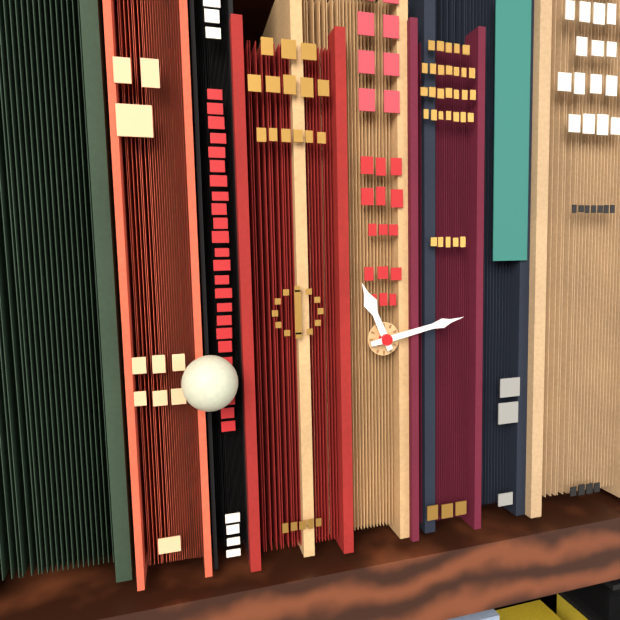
11 h 13 min
